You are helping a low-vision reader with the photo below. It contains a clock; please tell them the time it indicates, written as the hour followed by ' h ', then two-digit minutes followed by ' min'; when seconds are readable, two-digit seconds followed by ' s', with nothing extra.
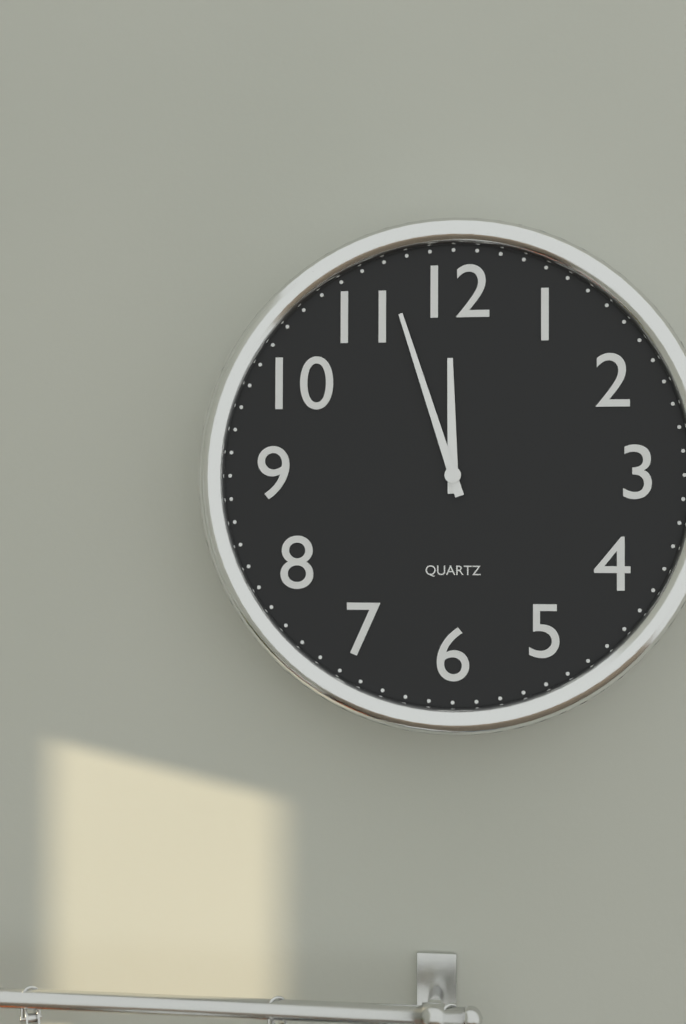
11 h 57 min
